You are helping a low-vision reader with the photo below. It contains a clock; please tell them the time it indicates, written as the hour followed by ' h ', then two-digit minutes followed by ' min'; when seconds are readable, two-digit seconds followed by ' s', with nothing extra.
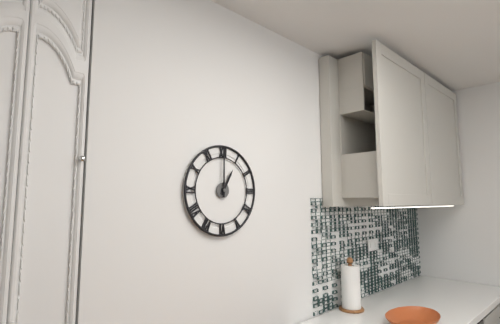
1 h 00 min
